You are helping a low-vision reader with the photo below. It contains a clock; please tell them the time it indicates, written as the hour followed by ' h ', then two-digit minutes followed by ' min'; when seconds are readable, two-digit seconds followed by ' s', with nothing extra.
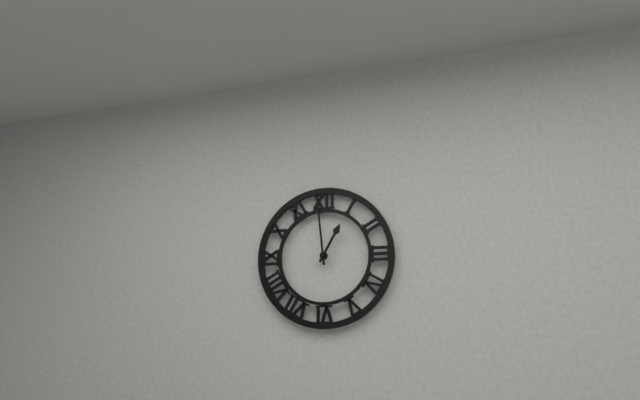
12 h 59 min
